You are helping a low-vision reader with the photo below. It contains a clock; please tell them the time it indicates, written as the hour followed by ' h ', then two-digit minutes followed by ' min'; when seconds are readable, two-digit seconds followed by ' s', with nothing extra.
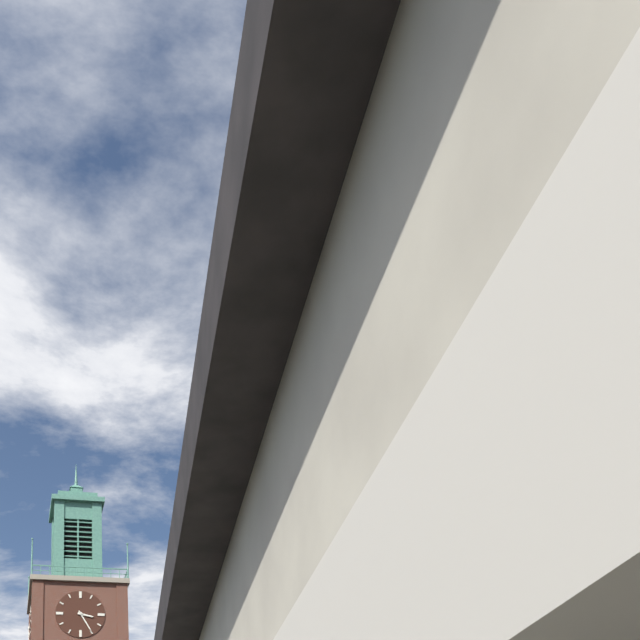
3 h 25 min
